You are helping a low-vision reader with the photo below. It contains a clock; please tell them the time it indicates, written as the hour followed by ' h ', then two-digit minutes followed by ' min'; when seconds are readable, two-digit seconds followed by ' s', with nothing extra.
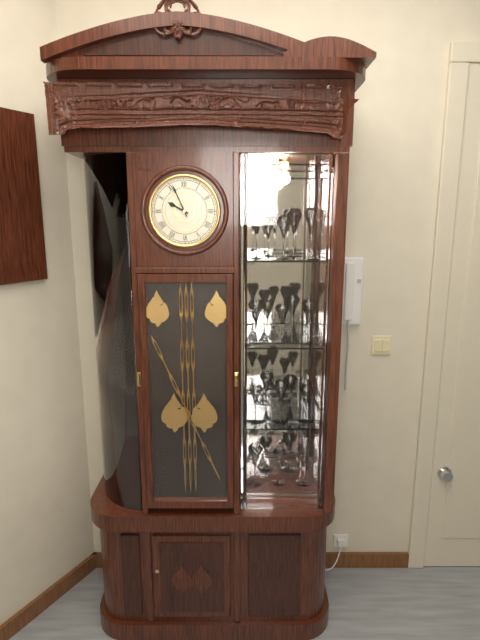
9 h 56 min
